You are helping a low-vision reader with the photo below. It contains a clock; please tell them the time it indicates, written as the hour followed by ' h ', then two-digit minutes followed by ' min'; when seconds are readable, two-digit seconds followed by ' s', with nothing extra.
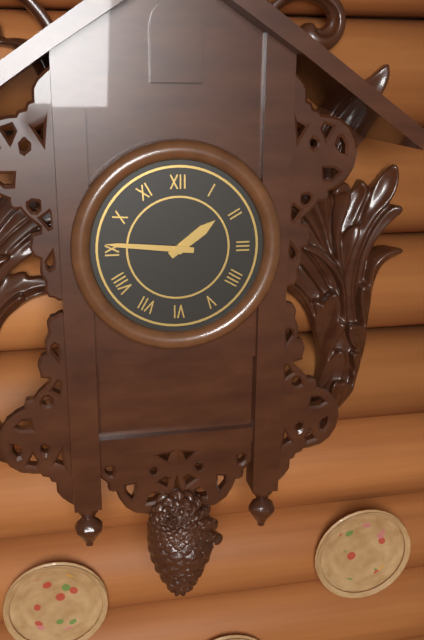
1 h 46 min
